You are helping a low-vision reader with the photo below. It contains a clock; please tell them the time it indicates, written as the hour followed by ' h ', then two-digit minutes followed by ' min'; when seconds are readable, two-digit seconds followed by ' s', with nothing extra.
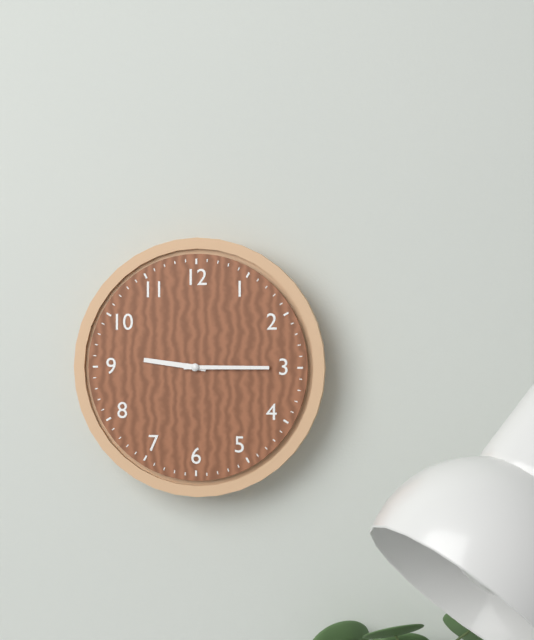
9 h 15 min
